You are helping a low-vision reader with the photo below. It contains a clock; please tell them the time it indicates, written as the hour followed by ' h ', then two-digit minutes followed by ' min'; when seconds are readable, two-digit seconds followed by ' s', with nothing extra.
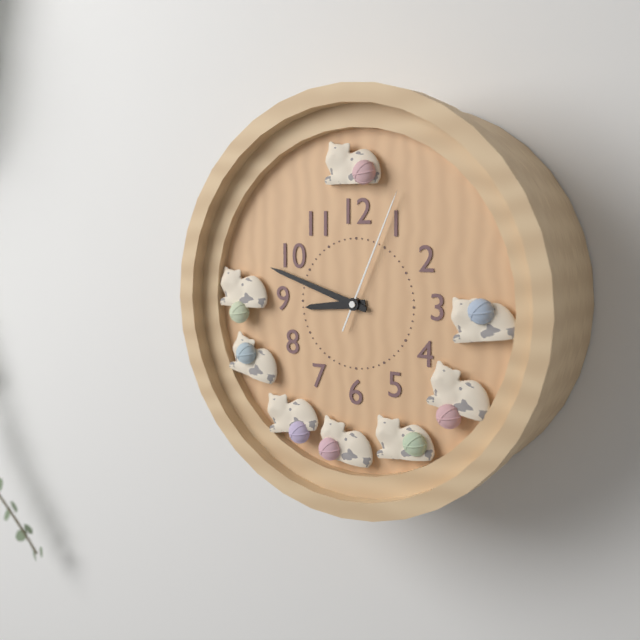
8 h 48 min 04 s
